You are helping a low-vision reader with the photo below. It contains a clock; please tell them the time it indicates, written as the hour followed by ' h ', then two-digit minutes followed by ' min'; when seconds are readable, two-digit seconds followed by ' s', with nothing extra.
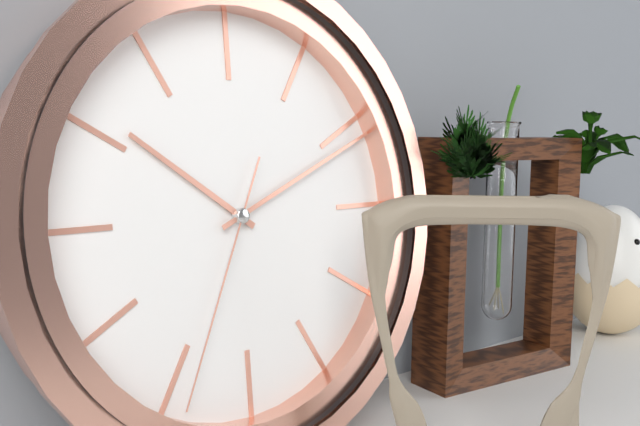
10 h 11 min 34 s
